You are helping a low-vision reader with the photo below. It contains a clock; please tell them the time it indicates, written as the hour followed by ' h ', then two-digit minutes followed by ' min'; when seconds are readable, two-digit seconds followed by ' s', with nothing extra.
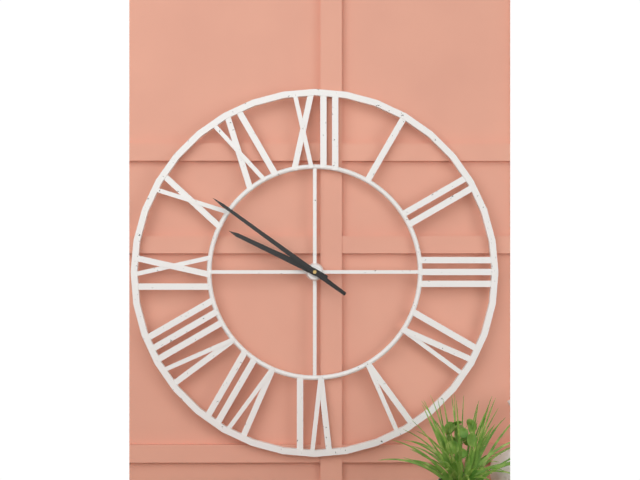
9 h 51 min
